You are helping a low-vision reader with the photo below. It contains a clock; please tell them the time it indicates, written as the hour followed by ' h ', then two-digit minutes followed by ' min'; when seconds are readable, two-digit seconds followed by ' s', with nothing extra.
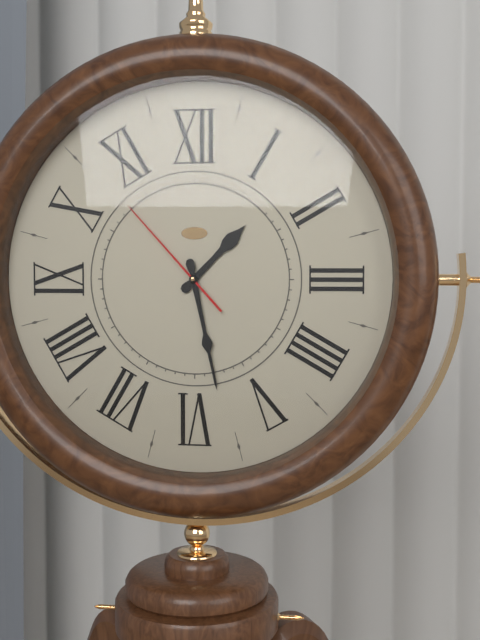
1 h 28 min 53 s
